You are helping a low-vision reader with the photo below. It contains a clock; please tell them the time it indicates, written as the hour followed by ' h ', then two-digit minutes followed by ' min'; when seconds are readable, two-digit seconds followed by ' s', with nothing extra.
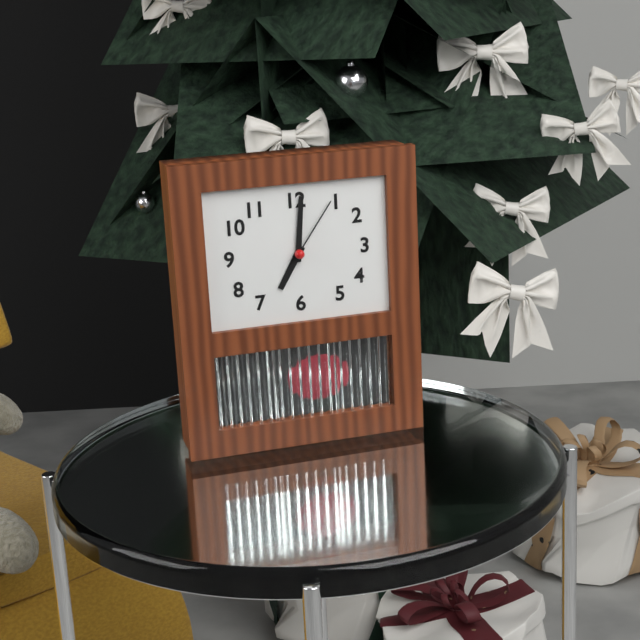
7 h 01 min 06 s
